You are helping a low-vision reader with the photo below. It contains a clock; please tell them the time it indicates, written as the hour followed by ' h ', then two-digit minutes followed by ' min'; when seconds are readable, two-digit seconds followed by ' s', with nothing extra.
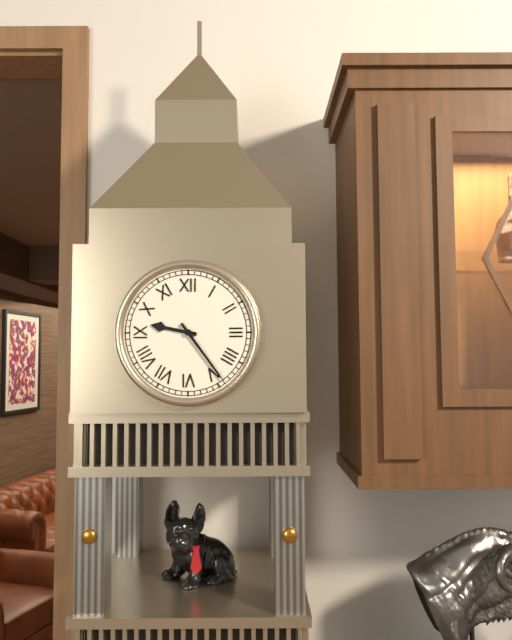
9 h 24 min
